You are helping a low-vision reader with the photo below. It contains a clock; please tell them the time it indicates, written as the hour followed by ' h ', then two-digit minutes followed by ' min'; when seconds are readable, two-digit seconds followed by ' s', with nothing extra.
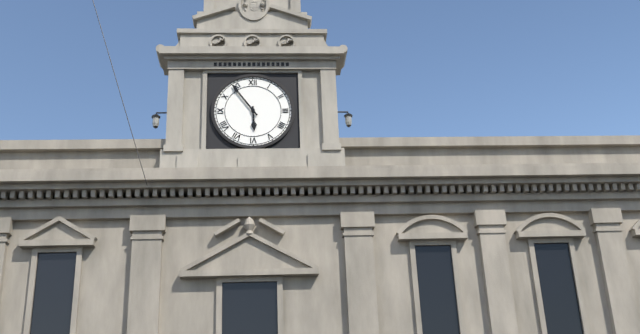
5 h 54 min
